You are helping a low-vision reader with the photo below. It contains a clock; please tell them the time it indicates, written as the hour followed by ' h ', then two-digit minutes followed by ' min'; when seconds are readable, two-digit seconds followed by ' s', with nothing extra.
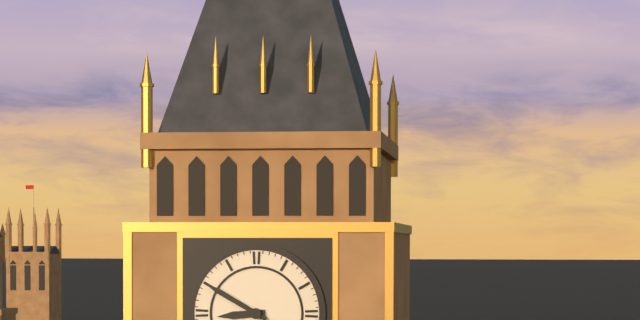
8 h 50 min
